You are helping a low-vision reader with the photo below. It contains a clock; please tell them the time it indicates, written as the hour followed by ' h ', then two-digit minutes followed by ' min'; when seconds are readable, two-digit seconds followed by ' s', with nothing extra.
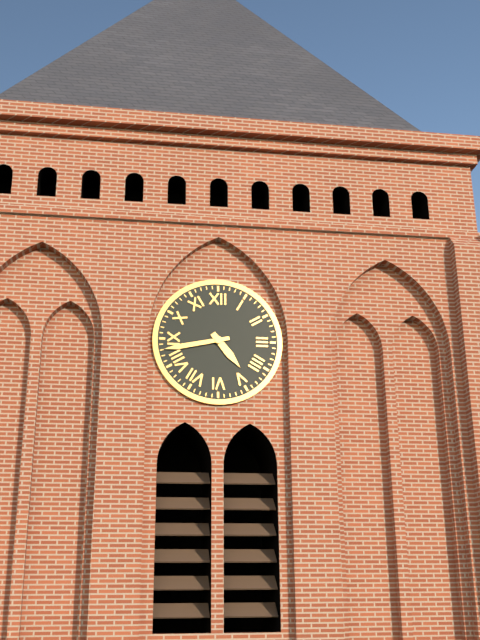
4 h 43 min
